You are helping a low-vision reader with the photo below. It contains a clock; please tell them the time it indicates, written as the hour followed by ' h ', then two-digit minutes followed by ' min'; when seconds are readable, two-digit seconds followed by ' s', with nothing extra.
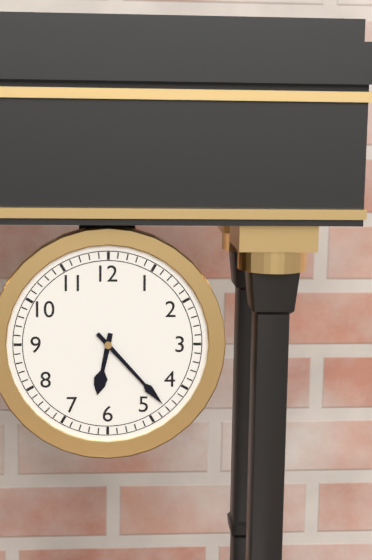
6 h 23 min
